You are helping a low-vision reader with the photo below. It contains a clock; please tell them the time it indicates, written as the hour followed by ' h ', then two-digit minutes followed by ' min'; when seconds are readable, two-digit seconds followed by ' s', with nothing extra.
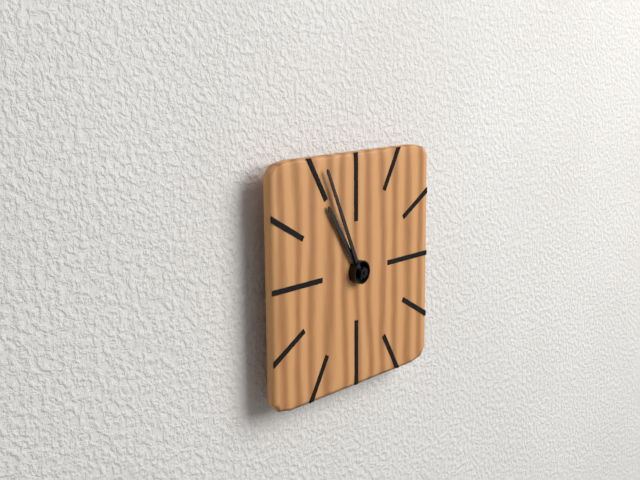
10 h 56 min
